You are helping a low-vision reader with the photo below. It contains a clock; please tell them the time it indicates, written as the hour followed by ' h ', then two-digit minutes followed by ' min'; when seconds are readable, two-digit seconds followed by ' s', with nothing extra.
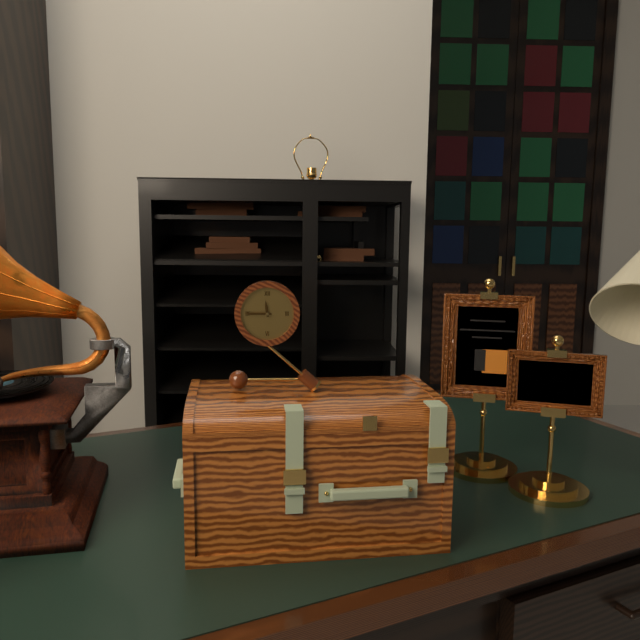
11 h 45 min
